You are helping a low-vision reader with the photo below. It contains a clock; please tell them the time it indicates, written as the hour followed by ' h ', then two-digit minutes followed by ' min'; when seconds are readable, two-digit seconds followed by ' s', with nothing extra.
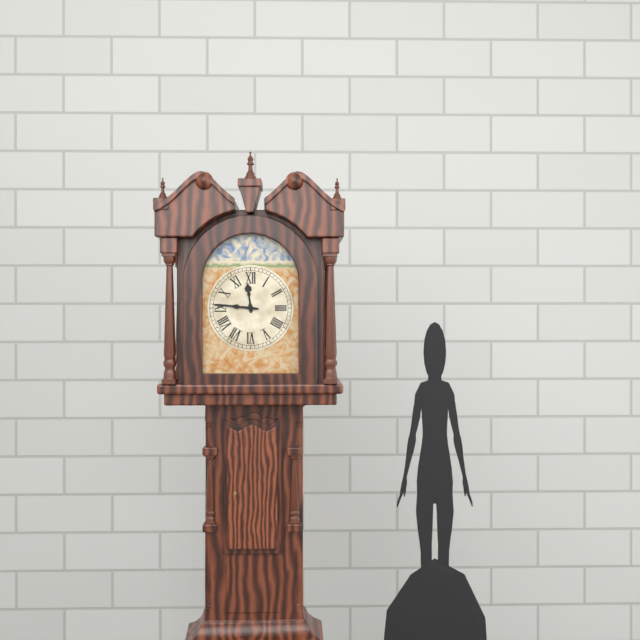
11 h 46 min
